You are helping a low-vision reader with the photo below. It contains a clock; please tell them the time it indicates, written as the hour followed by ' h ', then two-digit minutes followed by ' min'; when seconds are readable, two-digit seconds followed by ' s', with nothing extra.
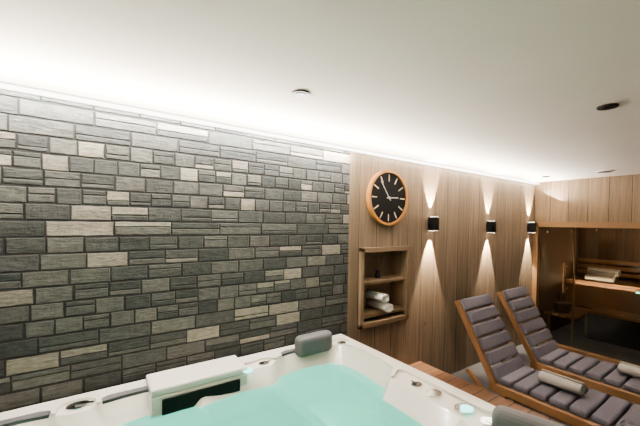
2 h 54 min
